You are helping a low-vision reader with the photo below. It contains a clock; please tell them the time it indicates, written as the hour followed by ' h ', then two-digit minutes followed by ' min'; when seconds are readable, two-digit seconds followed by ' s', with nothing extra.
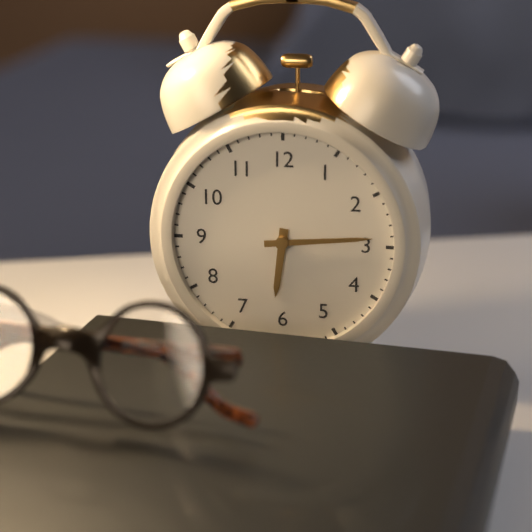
6 h 14 min
